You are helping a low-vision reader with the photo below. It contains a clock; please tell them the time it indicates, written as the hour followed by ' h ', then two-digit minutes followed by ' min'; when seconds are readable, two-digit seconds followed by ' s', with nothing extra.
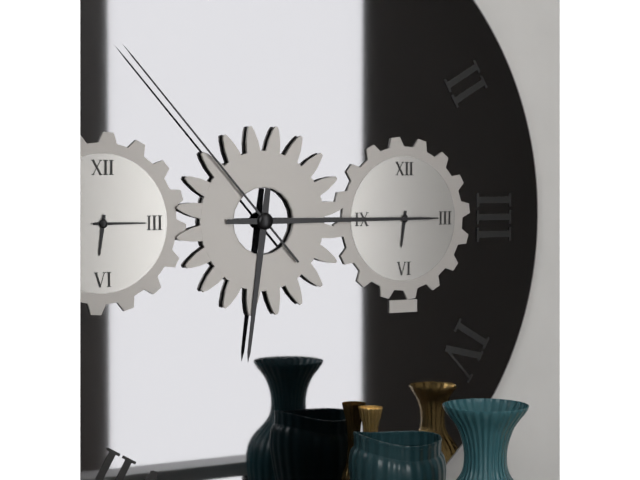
6 h 15 min 53 s
